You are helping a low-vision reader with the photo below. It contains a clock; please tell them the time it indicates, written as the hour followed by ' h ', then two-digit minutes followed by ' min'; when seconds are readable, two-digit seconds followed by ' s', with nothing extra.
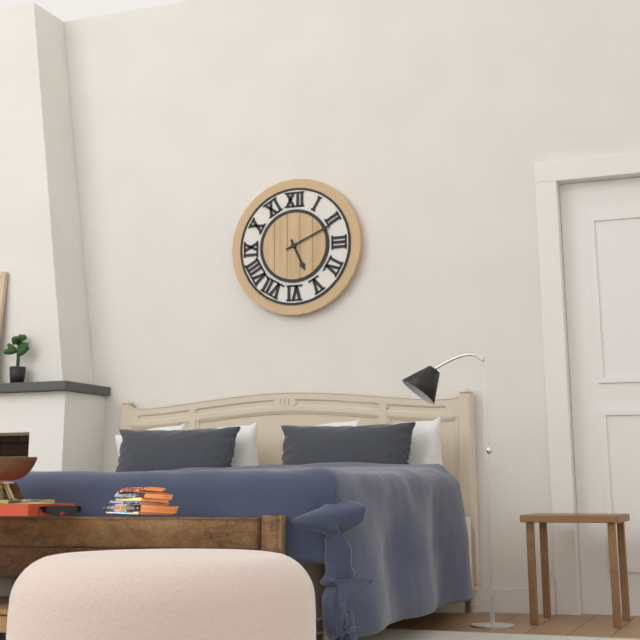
5 h 11 min
